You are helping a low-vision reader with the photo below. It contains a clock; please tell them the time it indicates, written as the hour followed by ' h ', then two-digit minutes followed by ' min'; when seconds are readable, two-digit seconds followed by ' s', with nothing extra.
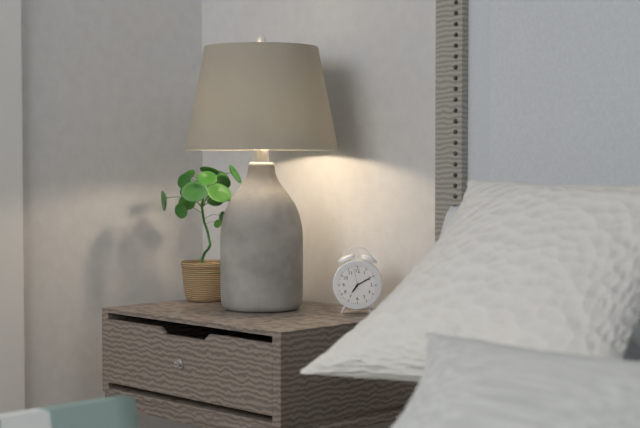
7 h 10 min
